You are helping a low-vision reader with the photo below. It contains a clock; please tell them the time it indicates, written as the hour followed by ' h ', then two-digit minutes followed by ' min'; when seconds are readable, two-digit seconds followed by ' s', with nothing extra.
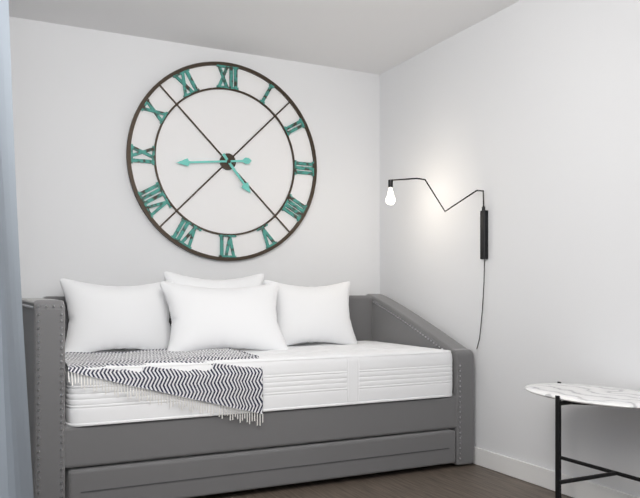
4 h 44 min
